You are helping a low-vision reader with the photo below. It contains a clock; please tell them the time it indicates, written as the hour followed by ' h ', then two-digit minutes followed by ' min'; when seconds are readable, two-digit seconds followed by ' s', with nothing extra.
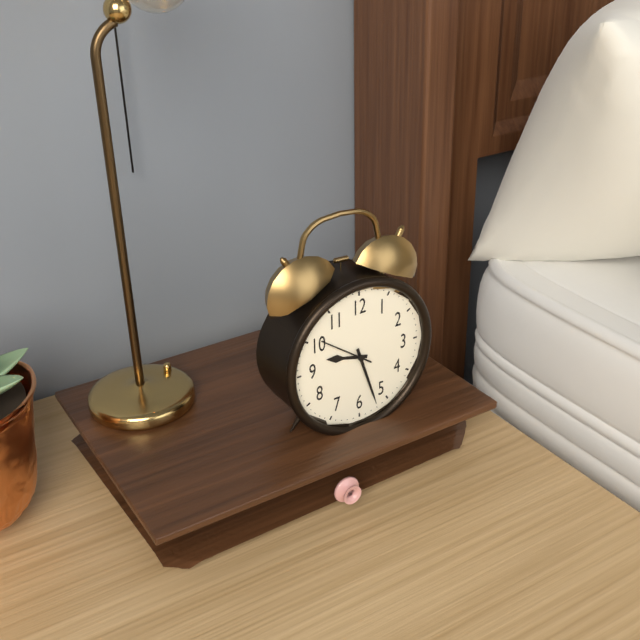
9 h 27 min 51 s
